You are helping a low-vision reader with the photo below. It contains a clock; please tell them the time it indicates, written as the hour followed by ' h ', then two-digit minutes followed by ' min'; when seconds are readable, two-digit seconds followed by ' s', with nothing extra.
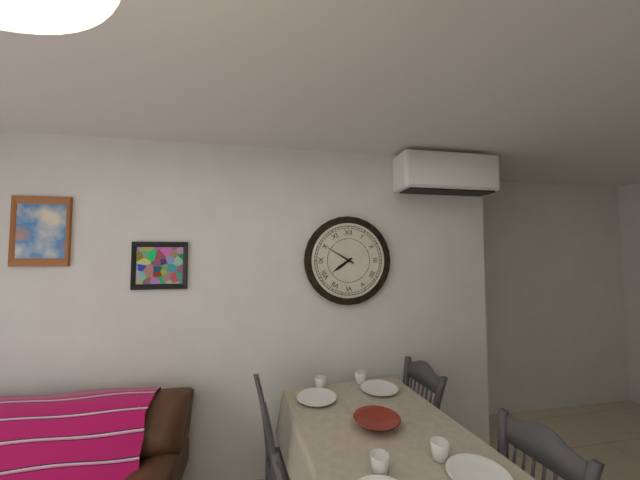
7 h 50 min
